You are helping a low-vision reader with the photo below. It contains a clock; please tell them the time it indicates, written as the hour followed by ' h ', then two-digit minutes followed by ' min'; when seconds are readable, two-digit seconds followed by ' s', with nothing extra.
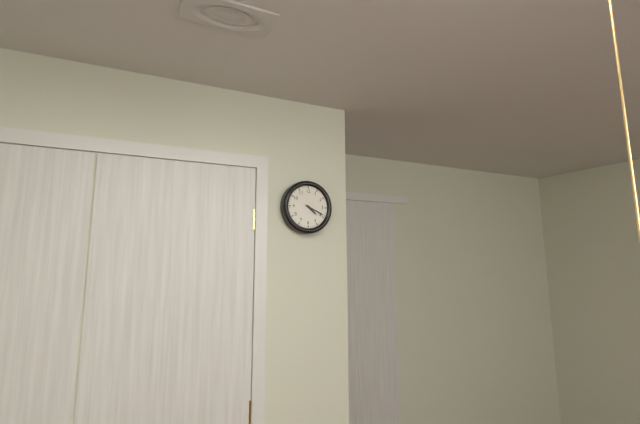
4 h 19 min
